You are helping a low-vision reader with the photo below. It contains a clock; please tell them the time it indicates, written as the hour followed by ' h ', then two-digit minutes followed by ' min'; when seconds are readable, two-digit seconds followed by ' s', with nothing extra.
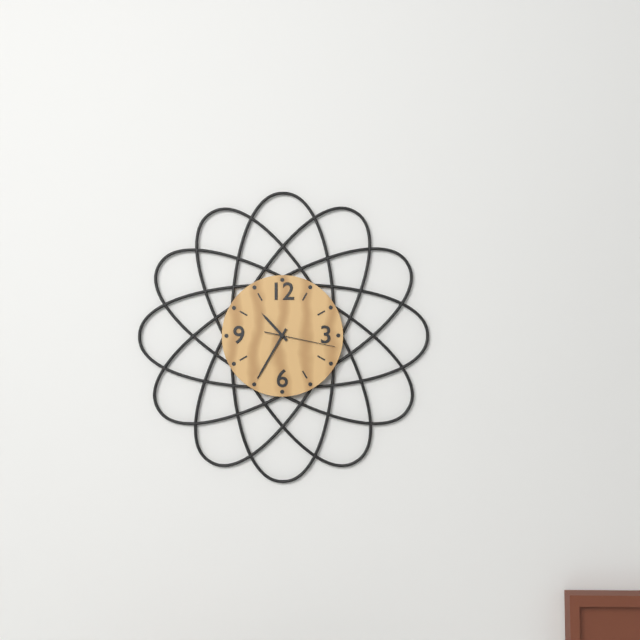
10 h 35 min 17 s
